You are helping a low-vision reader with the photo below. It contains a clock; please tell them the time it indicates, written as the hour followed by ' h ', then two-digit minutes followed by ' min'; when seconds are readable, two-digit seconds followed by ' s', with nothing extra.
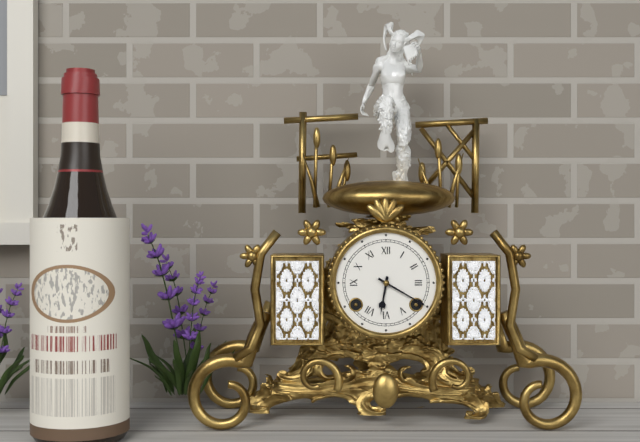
6 h 20 min
